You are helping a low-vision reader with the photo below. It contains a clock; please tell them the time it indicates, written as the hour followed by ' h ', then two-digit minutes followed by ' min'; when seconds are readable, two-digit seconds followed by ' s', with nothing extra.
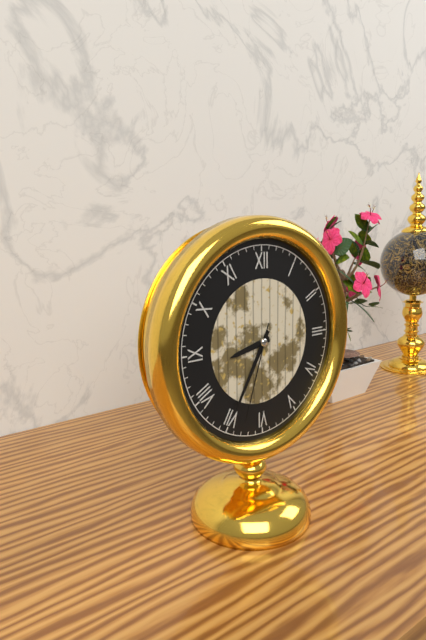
8 h 35 min 33 s
